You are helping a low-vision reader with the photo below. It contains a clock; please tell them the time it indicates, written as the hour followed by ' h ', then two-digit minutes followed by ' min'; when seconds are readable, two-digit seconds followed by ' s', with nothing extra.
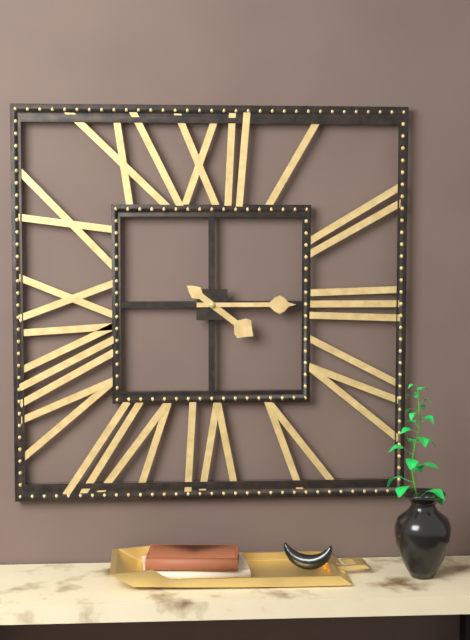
4 h 15 min
